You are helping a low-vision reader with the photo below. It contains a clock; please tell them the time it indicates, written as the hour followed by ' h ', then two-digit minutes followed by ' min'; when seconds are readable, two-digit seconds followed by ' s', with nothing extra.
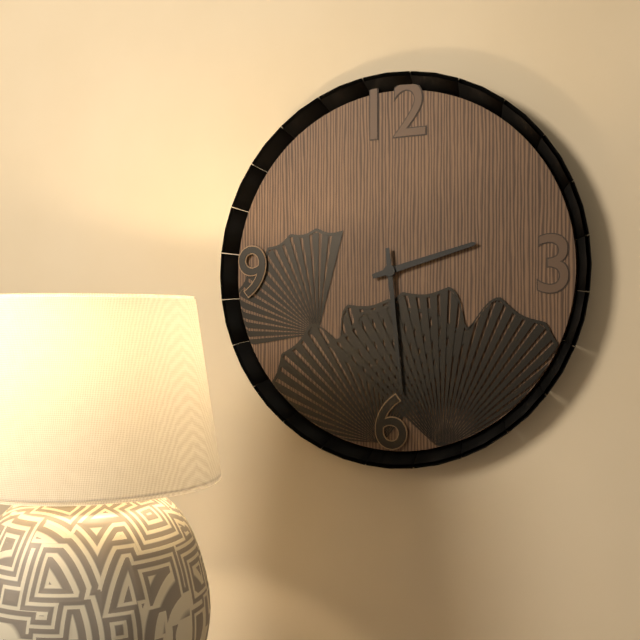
2 h 29 min
